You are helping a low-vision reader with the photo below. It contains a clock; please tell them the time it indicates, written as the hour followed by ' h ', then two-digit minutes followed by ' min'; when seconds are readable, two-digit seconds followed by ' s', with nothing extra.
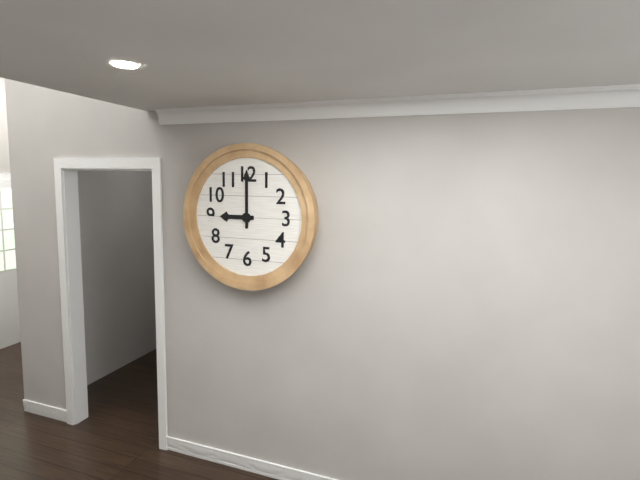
9 h 00 min
